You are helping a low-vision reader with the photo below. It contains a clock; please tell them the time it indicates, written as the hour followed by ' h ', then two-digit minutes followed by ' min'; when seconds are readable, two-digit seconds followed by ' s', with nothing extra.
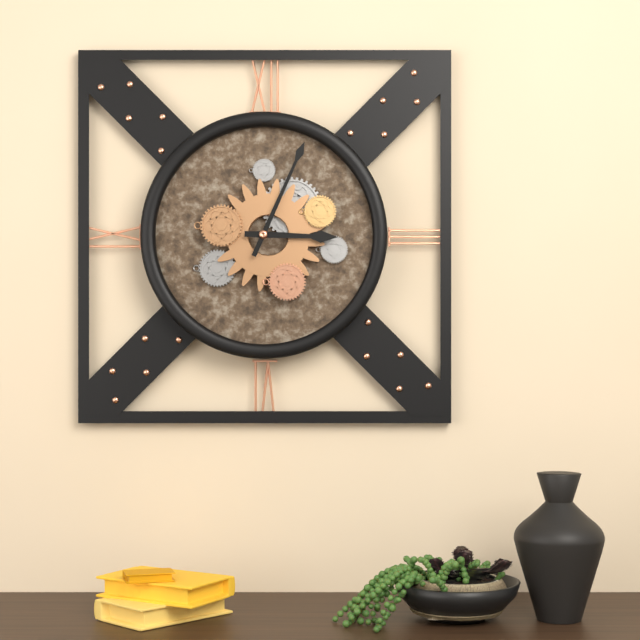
3 h 04 min
